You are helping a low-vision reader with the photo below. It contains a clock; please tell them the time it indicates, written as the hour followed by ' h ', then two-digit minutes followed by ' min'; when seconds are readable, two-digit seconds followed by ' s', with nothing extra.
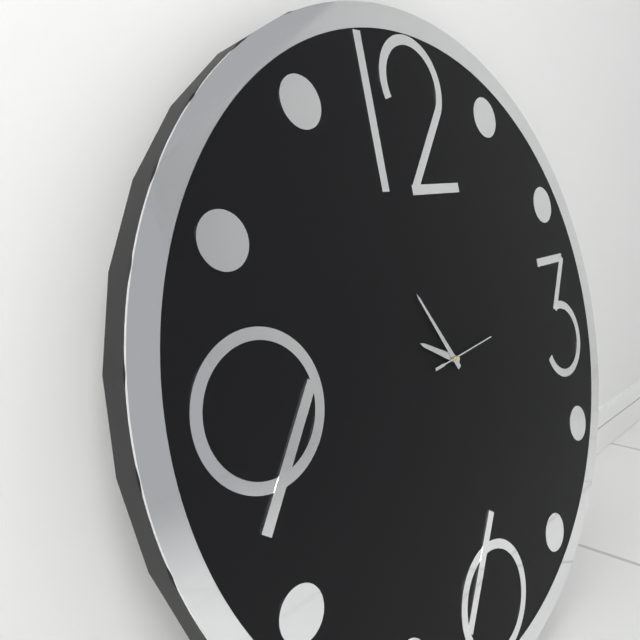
9 h 55 min 14 s
